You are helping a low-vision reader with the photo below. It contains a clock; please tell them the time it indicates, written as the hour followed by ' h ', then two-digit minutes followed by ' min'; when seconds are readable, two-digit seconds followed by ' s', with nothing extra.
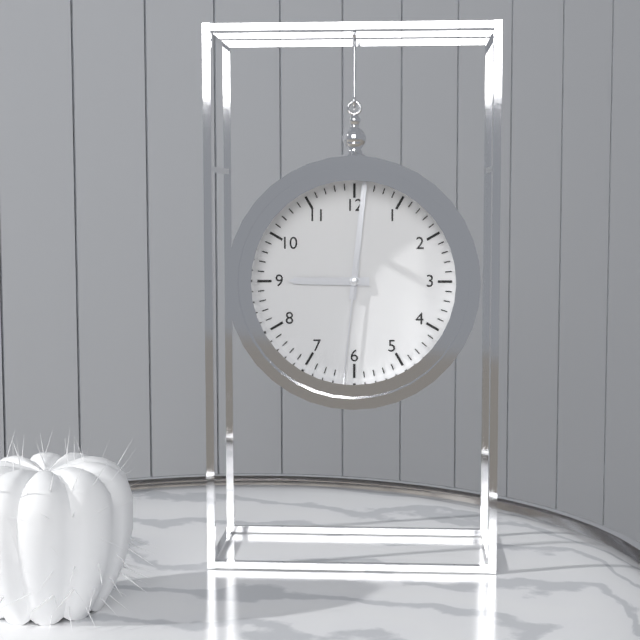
9 h 01 min 31 s
